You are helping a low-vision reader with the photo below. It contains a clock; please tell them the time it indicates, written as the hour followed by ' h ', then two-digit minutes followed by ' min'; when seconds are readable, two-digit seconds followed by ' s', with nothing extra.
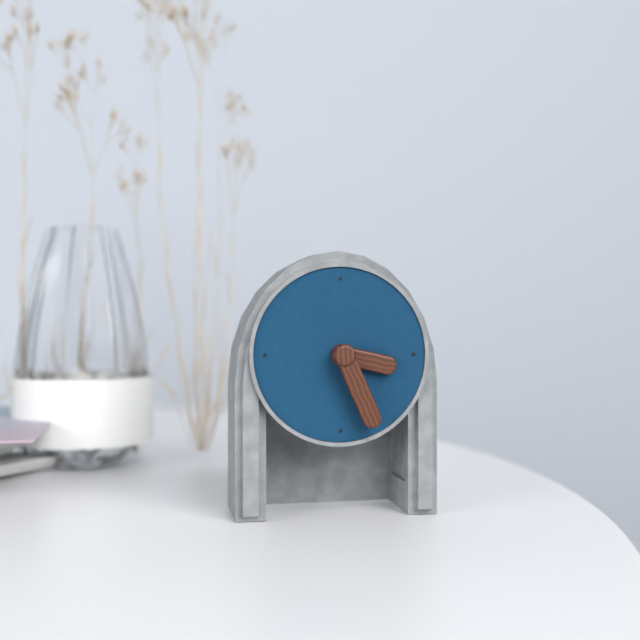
3 h 26 min
